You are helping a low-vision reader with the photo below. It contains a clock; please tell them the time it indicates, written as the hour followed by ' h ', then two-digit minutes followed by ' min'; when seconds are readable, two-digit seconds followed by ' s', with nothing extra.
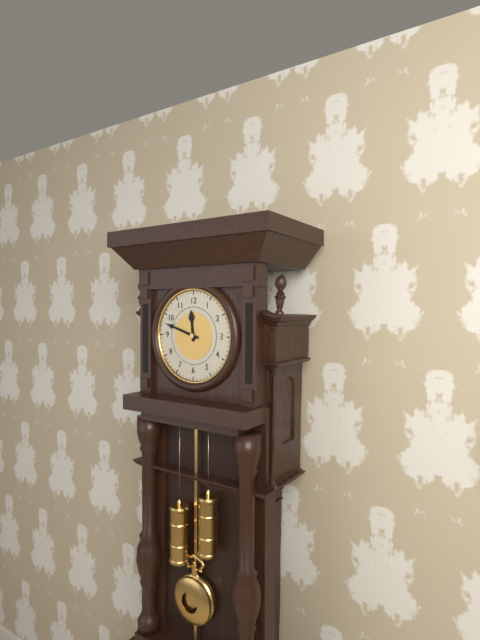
11 h 48 min
